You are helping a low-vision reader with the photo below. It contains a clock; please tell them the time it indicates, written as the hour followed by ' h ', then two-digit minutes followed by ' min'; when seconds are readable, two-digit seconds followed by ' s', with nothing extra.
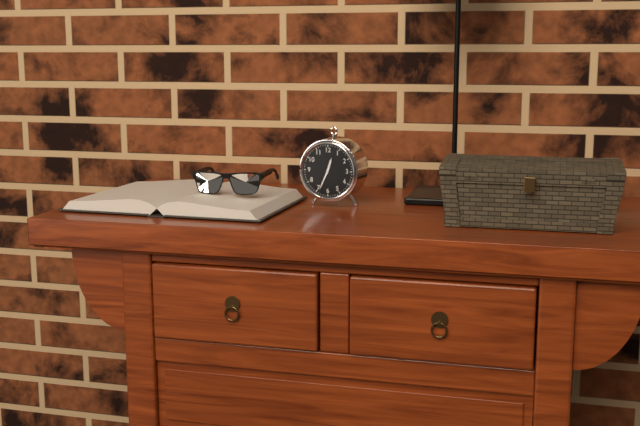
12 h 34 min
